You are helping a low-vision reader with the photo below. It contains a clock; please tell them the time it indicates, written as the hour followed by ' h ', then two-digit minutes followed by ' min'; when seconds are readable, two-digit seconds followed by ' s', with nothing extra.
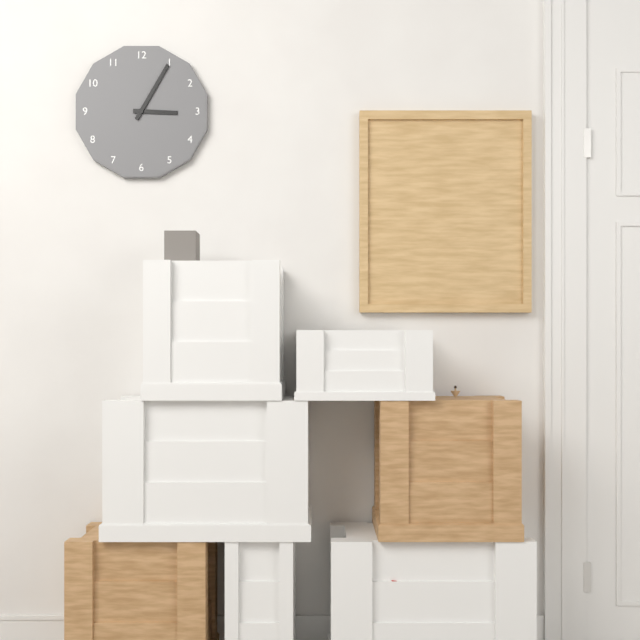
3 h 05 min
